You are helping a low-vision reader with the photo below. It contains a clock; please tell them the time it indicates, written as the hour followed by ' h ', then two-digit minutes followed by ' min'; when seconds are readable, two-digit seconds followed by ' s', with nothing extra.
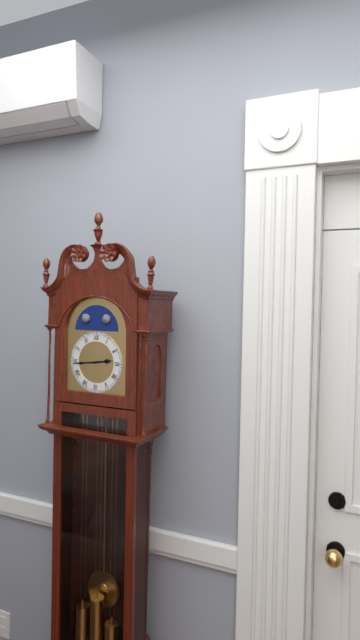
2 h 44 min
